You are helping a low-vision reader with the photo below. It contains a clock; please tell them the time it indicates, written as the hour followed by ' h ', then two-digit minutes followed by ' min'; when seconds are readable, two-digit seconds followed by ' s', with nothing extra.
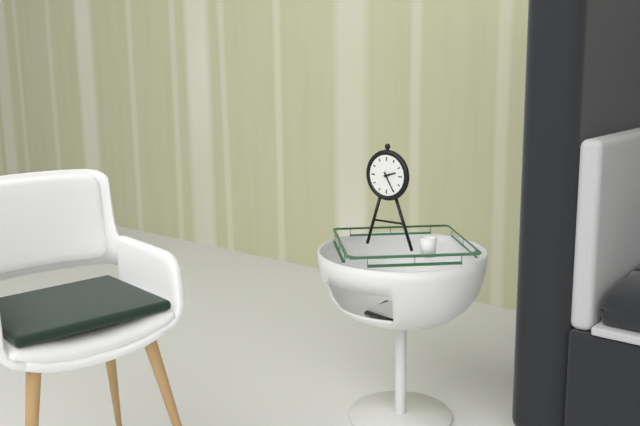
2 h 25 min
